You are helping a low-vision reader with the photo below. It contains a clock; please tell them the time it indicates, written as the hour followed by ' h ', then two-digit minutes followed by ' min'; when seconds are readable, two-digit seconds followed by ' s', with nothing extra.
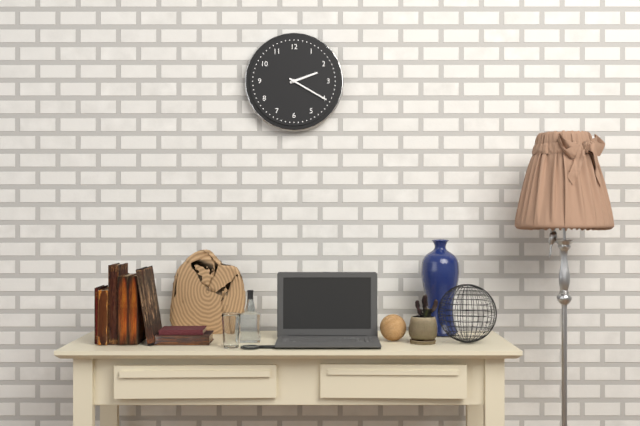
2 h 20 min
